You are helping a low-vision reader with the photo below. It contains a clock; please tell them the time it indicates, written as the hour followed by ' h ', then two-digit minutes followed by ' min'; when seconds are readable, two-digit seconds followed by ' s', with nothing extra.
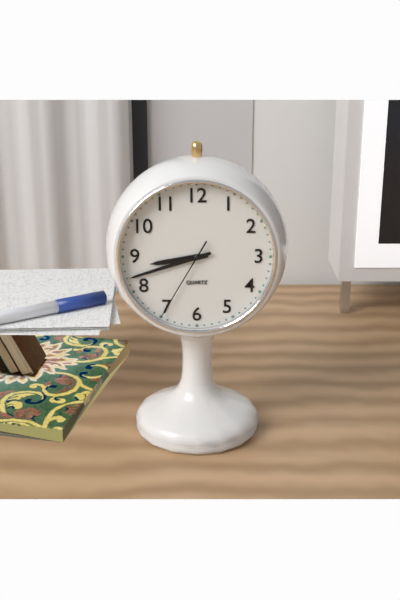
8 h 42 min 35 s
